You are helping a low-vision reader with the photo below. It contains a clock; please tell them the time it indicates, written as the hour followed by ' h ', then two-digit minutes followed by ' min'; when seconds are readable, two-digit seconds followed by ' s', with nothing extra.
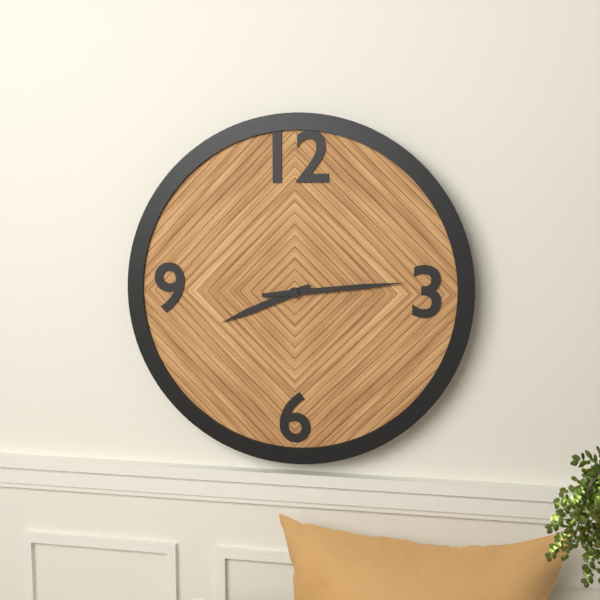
8 h 14 min
